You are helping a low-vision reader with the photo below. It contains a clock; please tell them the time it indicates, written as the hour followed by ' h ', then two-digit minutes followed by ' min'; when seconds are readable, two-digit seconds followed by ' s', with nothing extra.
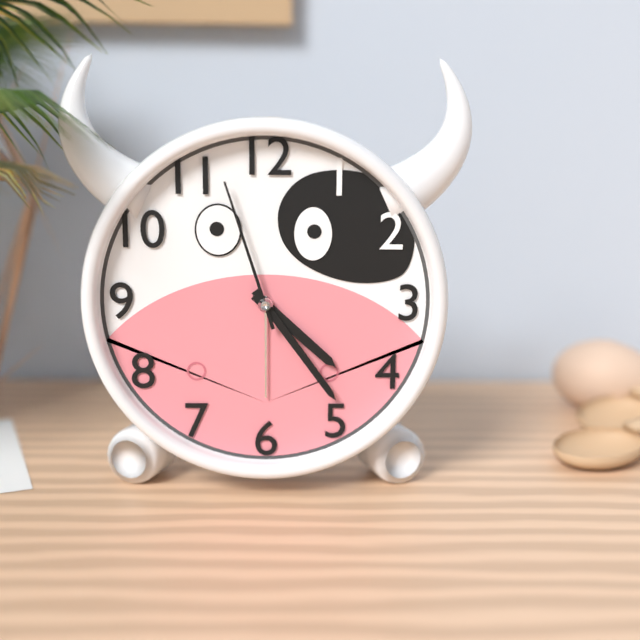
4 h 24 min 57 s
